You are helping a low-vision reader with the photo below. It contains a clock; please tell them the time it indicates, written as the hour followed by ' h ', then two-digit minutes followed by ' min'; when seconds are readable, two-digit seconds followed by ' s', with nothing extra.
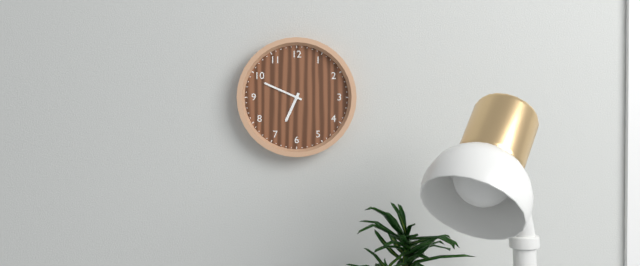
6 h 49 min
